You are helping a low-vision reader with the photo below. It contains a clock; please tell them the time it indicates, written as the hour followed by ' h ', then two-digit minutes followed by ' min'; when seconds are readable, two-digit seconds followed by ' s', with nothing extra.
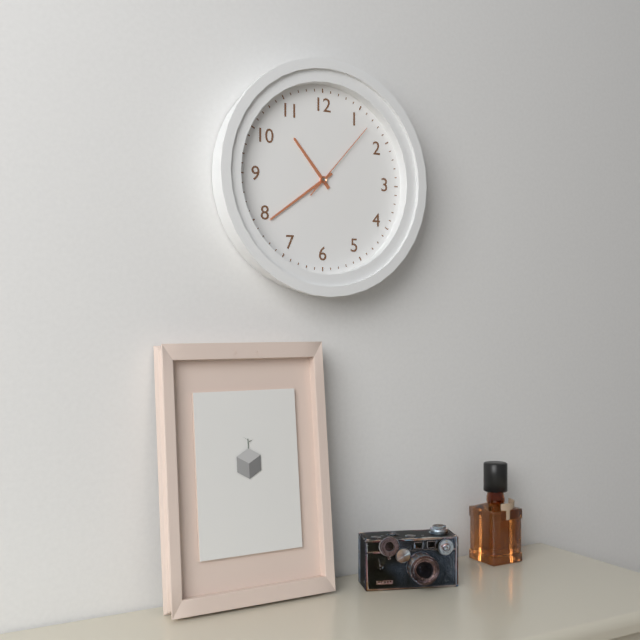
10 h 39 min 07 s
